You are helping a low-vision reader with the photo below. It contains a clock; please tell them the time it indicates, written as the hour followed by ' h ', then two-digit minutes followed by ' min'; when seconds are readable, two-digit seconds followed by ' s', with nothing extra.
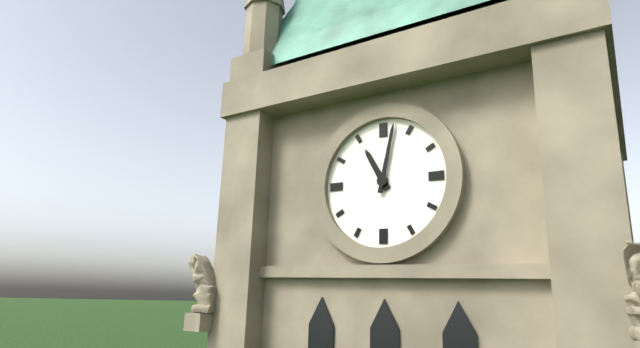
11 h 02 min
